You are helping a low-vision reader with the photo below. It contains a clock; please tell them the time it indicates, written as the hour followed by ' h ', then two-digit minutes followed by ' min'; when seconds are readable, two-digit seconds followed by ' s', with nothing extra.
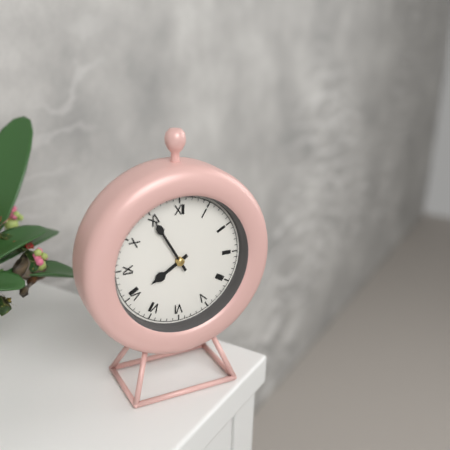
7 h 55 min
